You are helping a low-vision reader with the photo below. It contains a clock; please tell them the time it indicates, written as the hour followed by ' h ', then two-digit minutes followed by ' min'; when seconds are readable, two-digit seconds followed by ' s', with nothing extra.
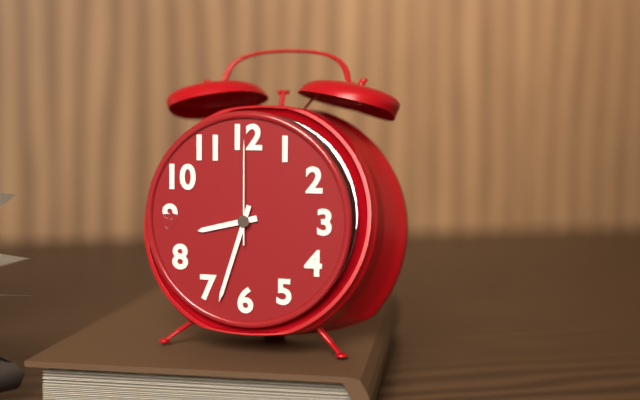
8 h 33 min 00 s
